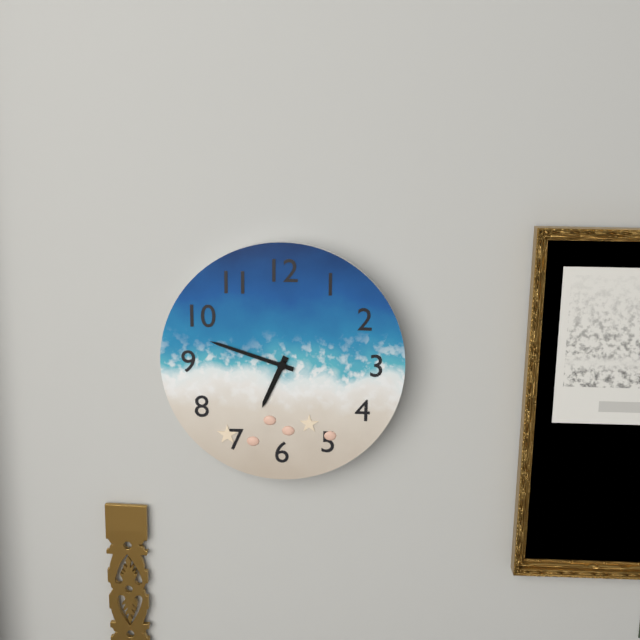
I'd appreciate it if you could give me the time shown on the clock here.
6:48
